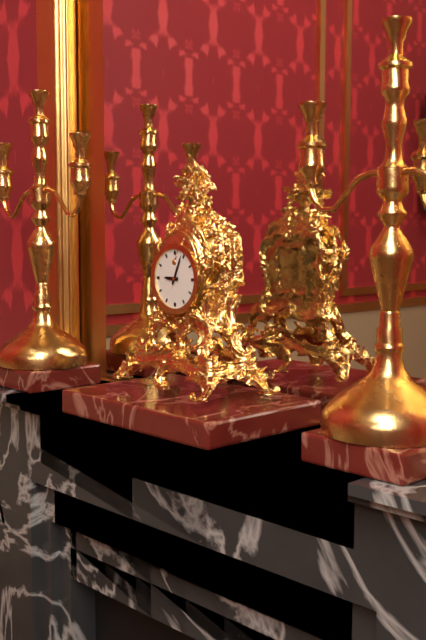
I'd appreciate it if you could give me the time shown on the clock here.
9:04
